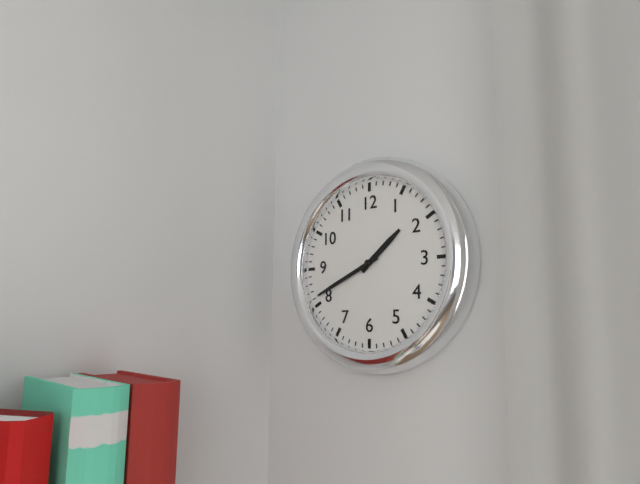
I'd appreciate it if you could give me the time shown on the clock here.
1:41
